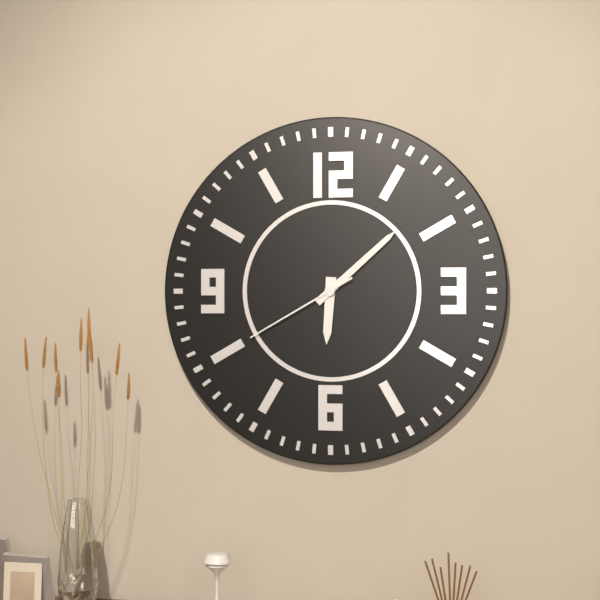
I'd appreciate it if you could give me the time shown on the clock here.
6:08:40
